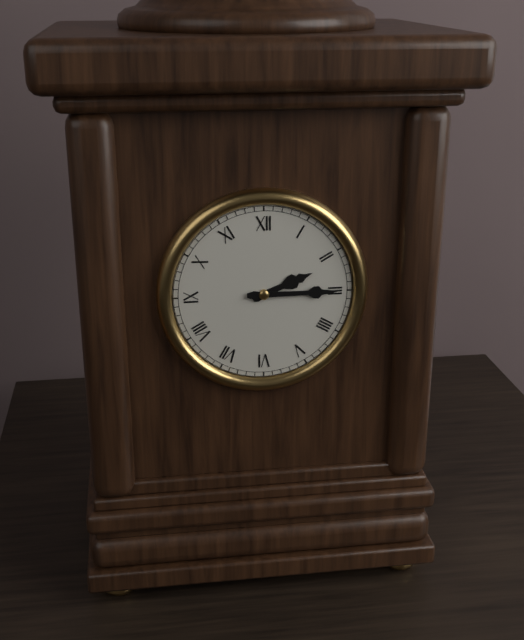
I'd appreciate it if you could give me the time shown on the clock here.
2:15
